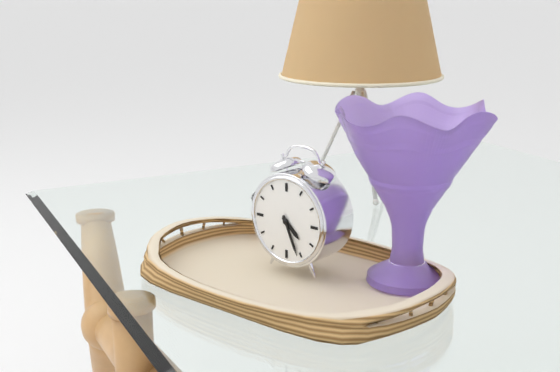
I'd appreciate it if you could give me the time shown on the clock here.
4:26
